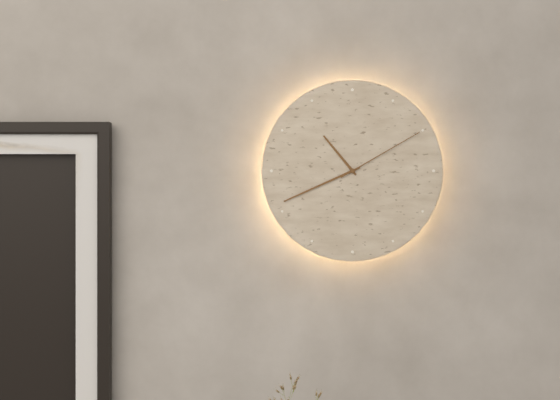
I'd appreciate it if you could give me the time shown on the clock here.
10:41:10
